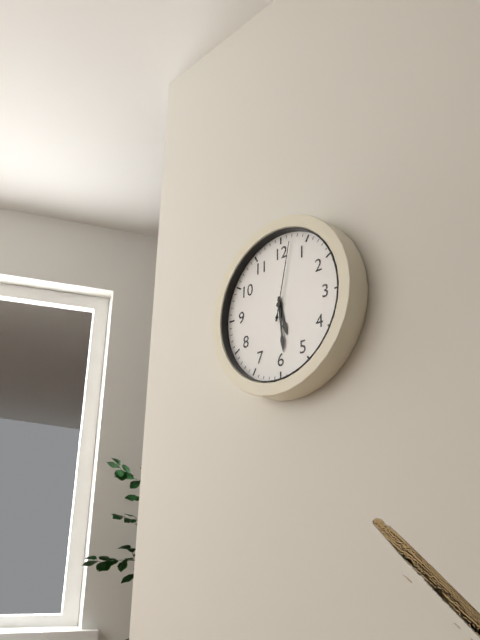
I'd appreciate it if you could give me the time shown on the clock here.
5:29:02
